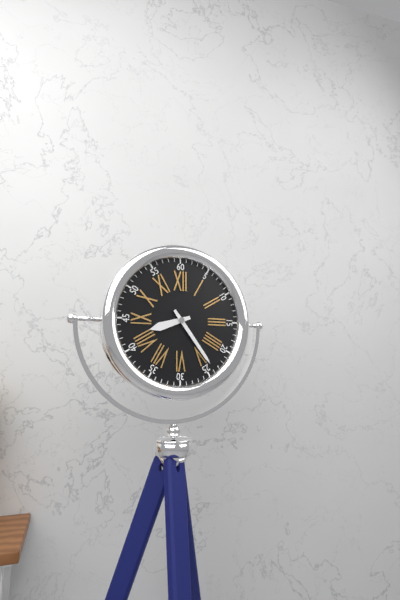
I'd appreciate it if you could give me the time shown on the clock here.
8:24
